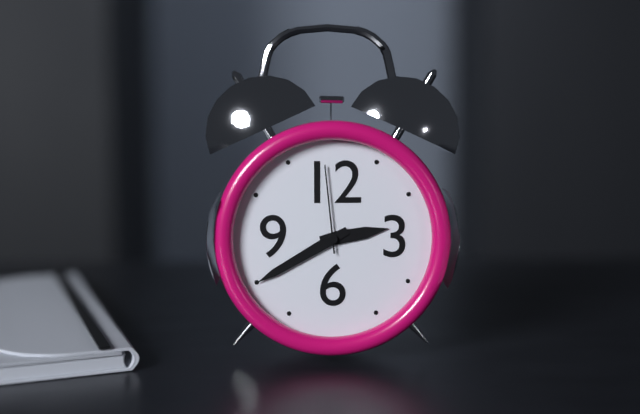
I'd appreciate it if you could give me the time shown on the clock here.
2:40:59
